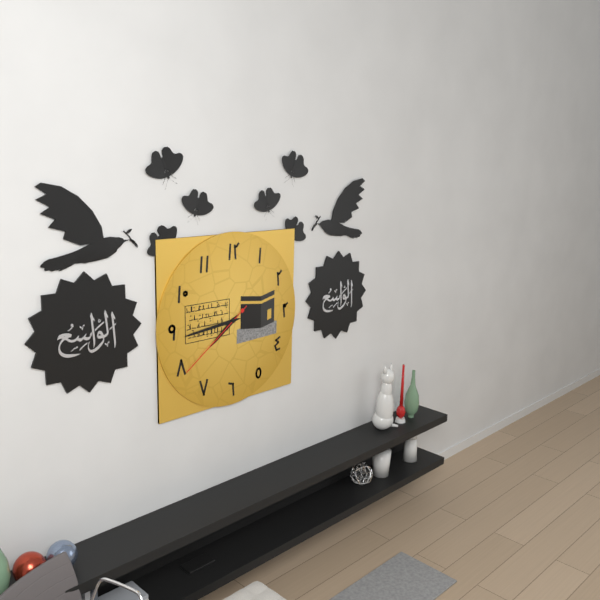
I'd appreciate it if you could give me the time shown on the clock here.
7:44:39
